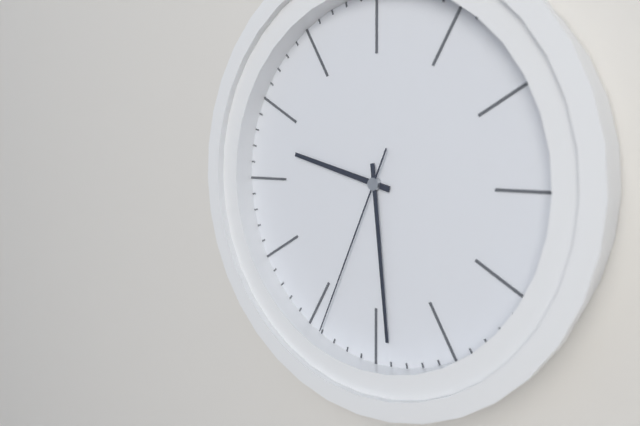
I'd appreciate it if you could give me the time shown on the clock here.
9:29:34
